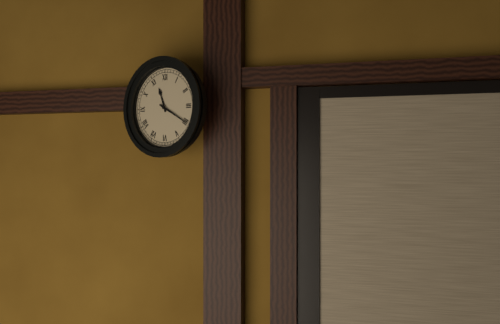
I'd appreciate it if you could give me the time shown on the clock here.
11:20
